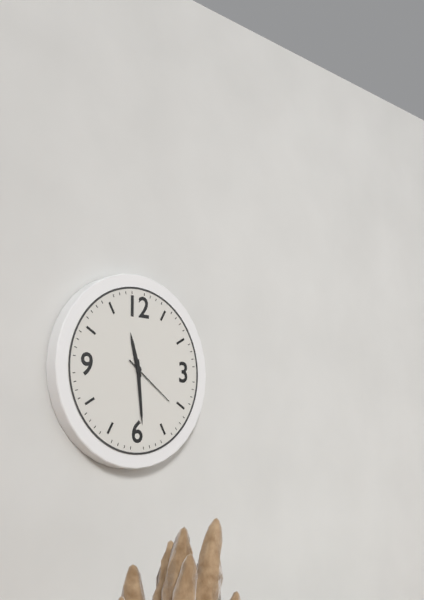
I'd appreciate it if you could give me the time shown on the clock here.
11:29:21
